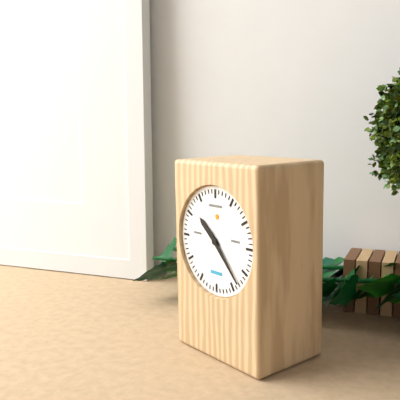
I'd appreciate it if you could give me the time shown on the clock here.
10:23
